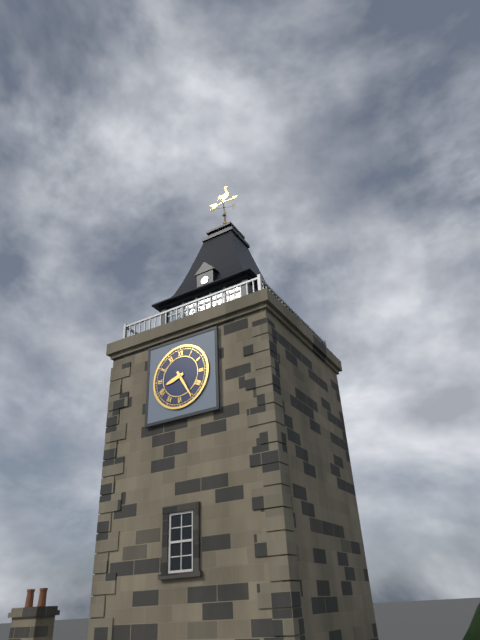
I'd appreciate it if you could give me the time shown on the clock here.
8:25
